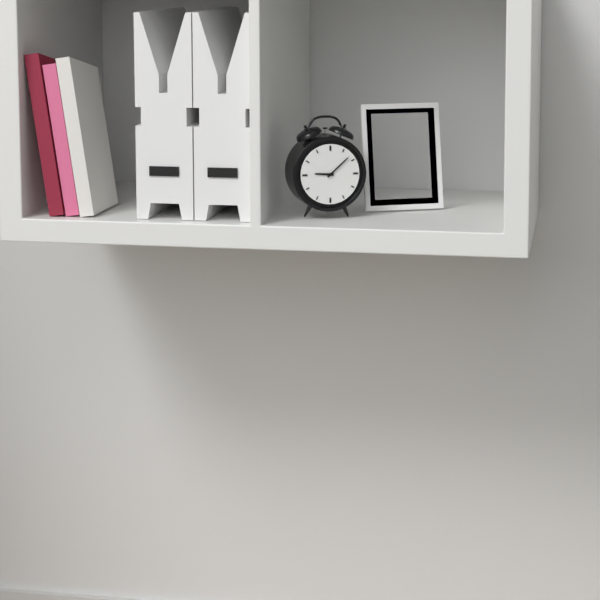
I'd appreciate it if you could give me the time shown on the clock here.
9:08
